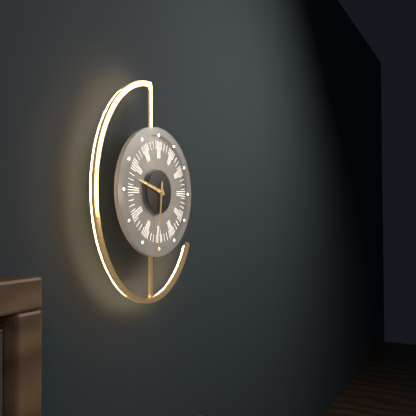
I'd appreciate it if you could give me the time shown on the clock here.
9:31
